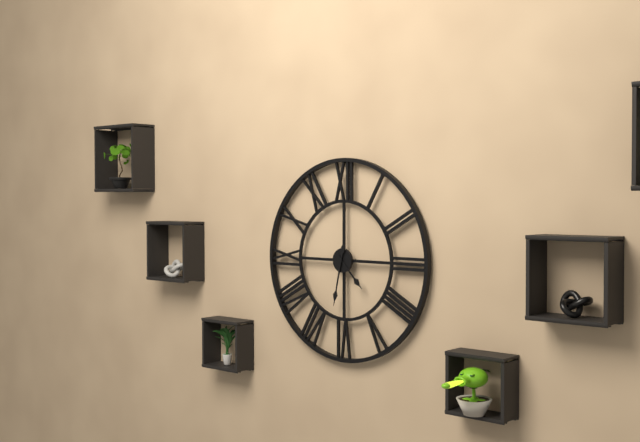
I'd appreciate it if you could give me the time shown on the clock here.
4:32
